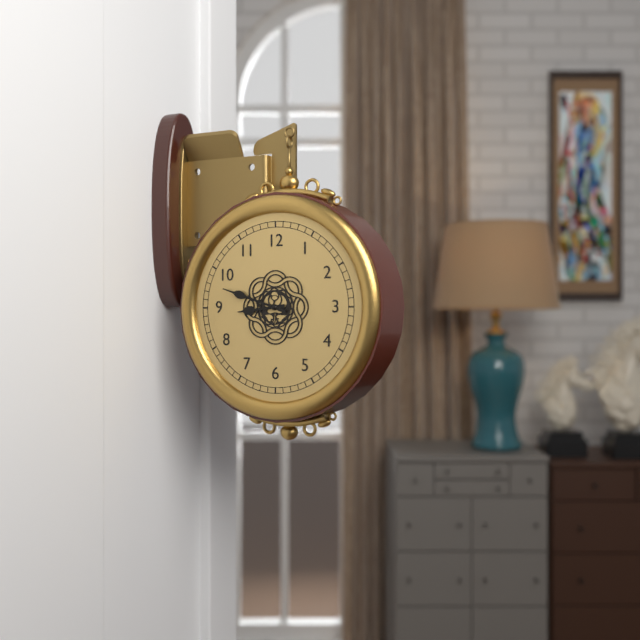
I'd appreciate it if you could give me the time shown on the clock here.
8:48
